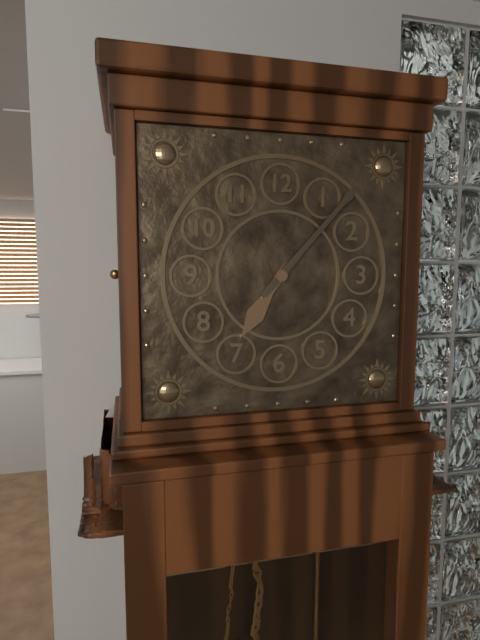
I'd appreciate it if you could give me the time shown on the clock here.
7:07
